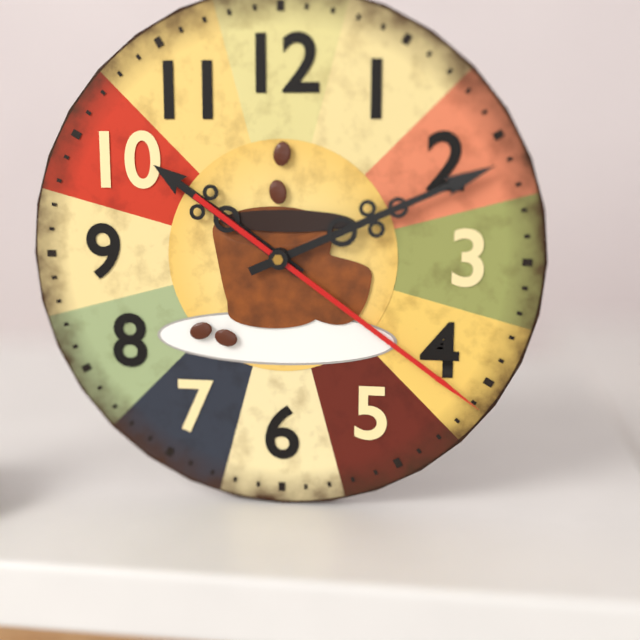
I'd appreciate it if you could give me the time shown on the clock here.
10:11:21
